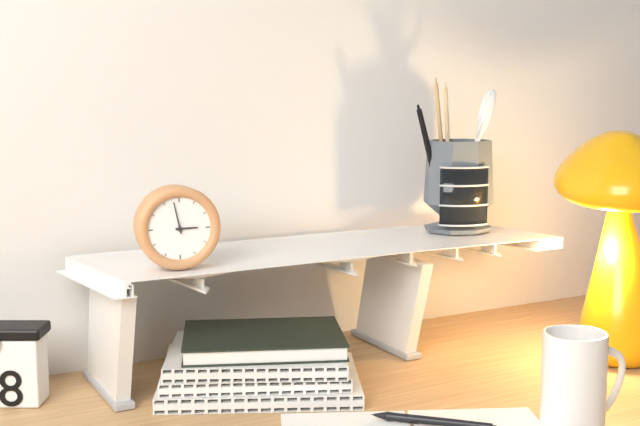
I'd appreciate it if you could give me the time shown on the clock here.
2:58
